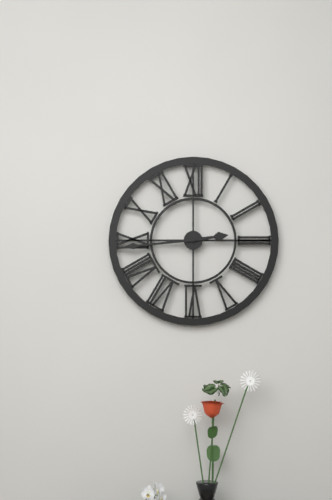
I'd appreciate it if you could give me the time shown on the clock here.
2:44
